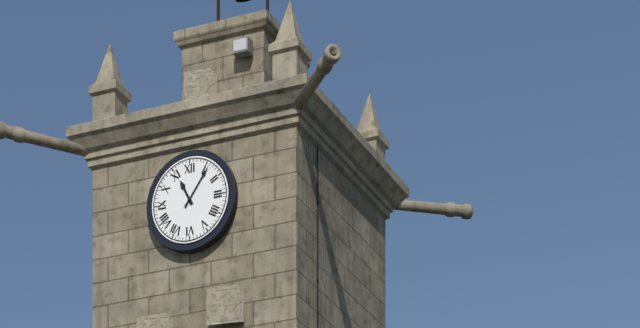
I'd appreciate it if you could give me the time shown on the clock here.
11:06
